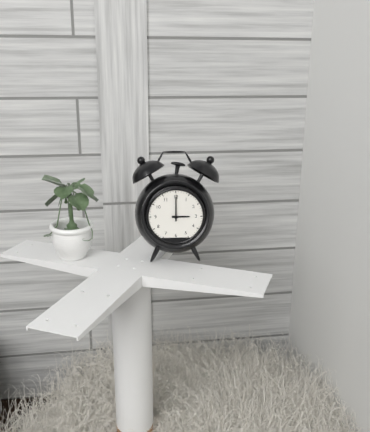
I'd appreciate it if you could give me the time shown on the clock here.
3:00
